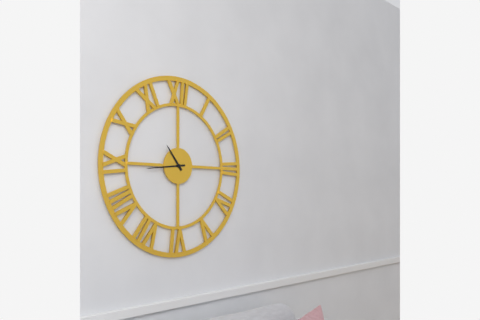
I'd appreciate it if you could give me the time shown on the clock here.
10:44
